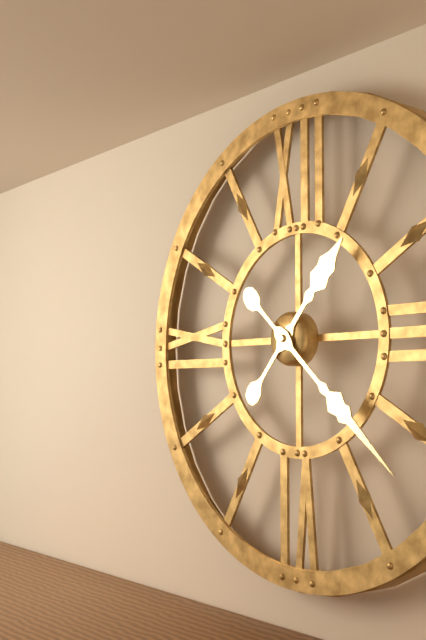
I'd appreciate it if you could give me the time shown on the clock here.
1:22
